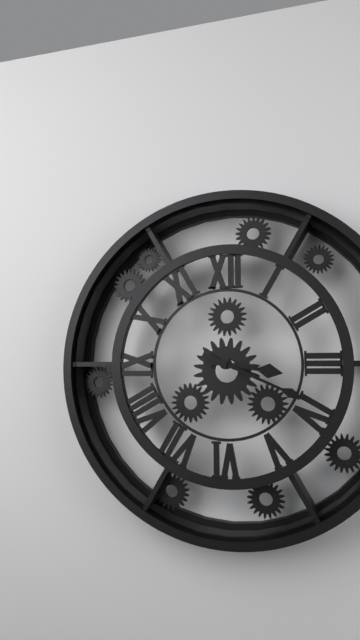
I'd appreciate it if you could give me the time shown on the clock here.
3:19
